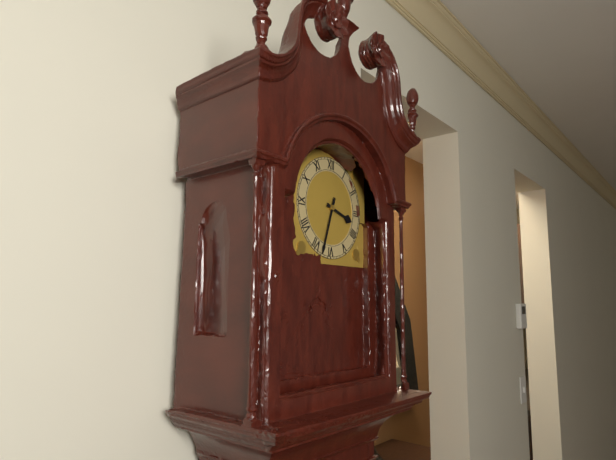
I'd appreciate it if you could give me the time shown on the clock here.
3:33
